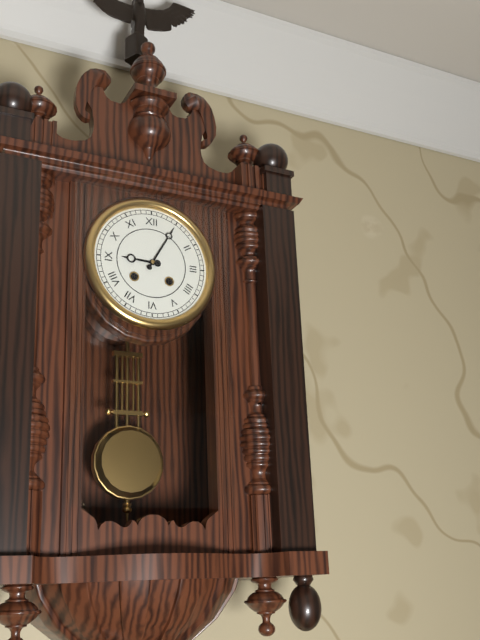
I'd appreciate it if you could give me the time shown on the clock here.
9:05
